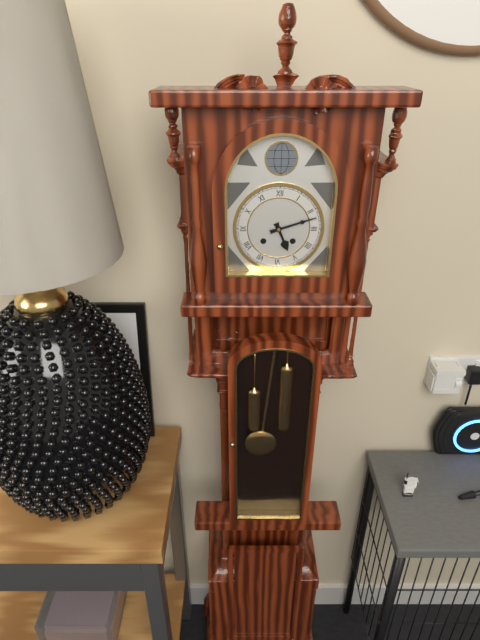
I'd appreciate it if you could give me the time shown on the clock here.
5:12
